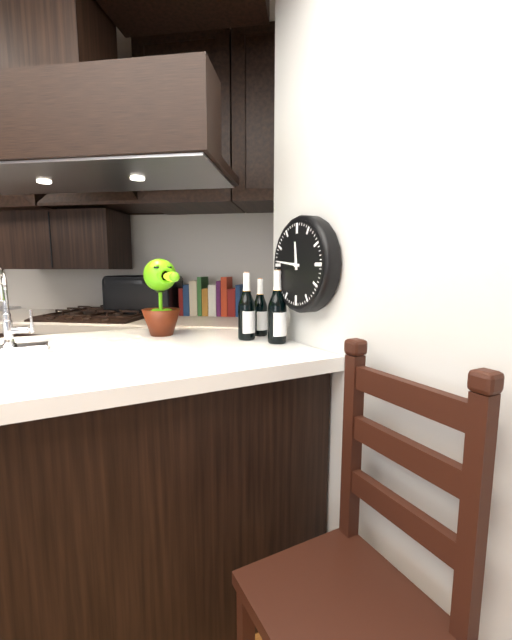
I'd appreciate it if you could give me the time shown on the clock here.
11:46
